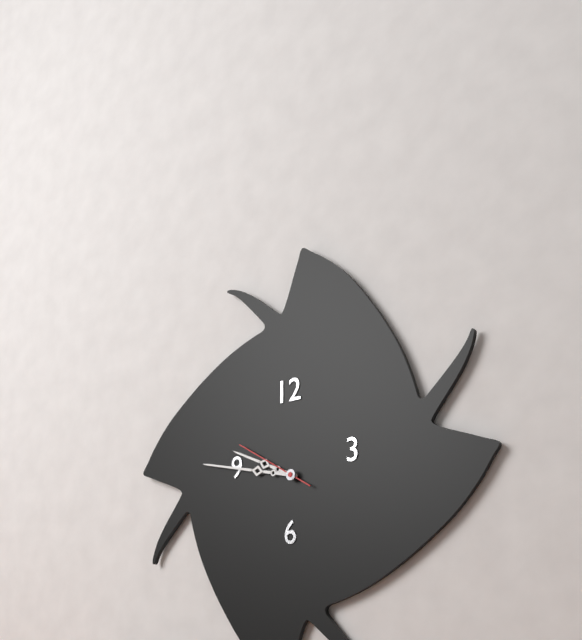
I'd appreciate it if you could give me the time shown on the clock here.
9:47:50
